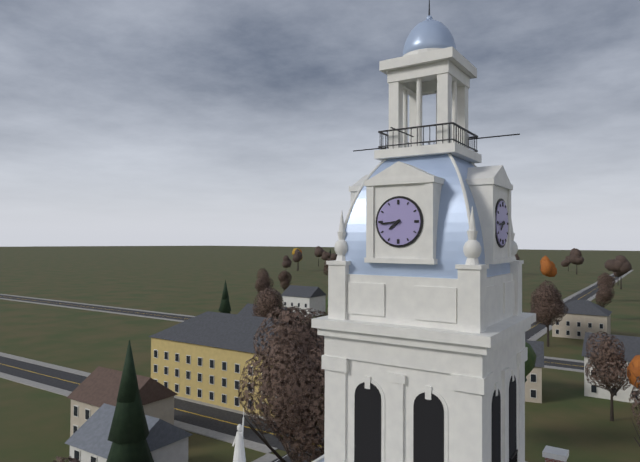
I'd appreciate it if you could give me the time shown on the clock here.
7:44
